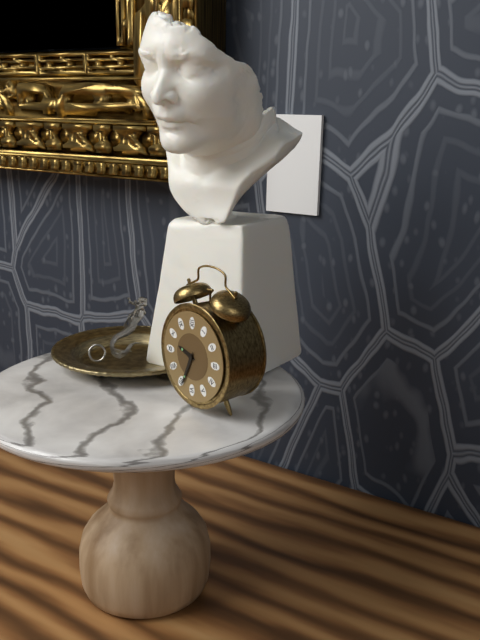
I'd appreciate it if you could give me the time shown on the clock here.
9:34
